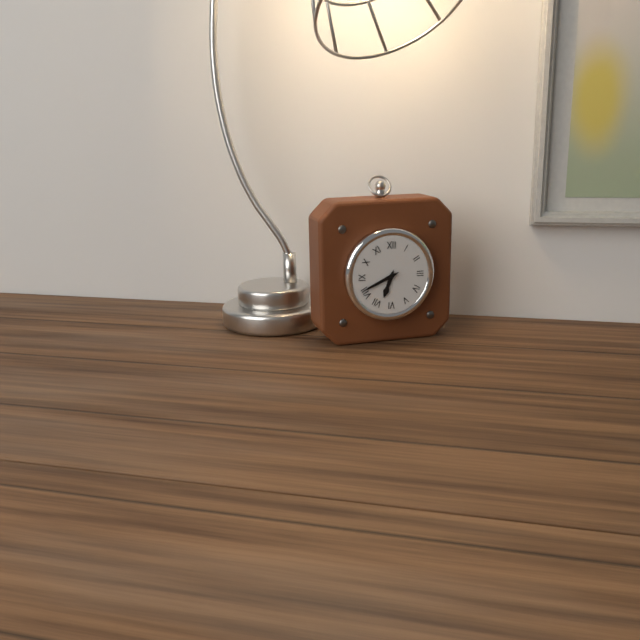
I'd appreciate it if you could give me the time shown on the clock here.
6:41
